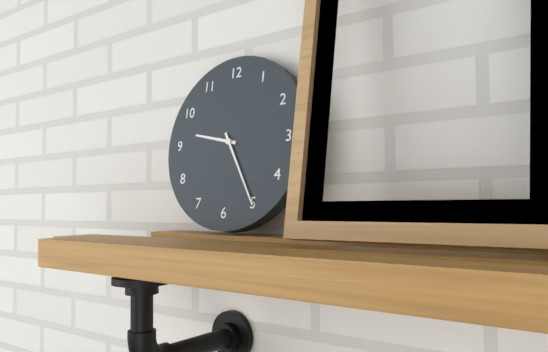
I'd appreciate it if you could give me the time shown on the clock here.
9:25
